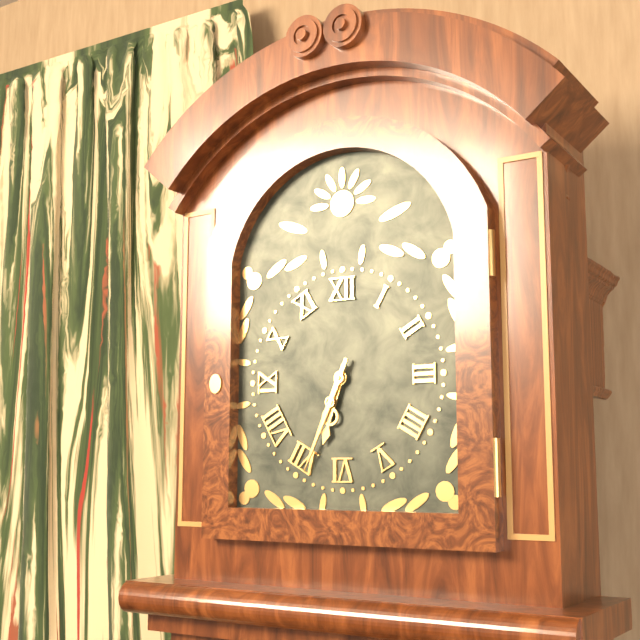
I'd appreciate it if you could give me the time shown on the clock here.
6:34
